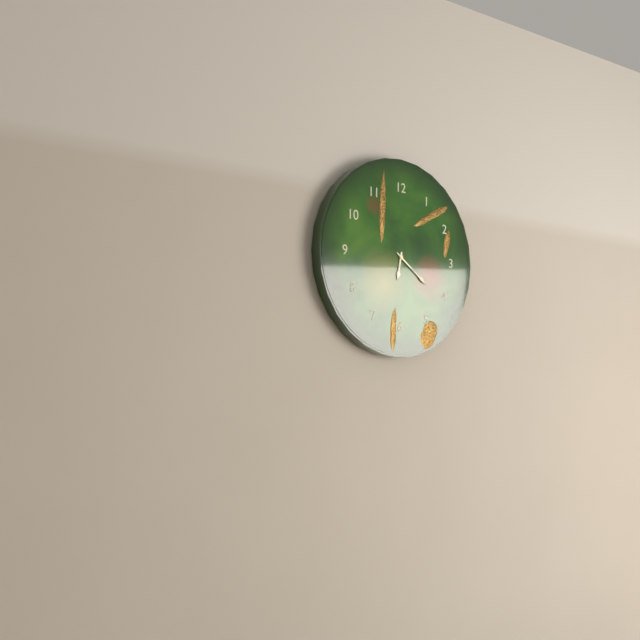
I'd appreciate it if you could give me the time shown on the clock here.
6:21
